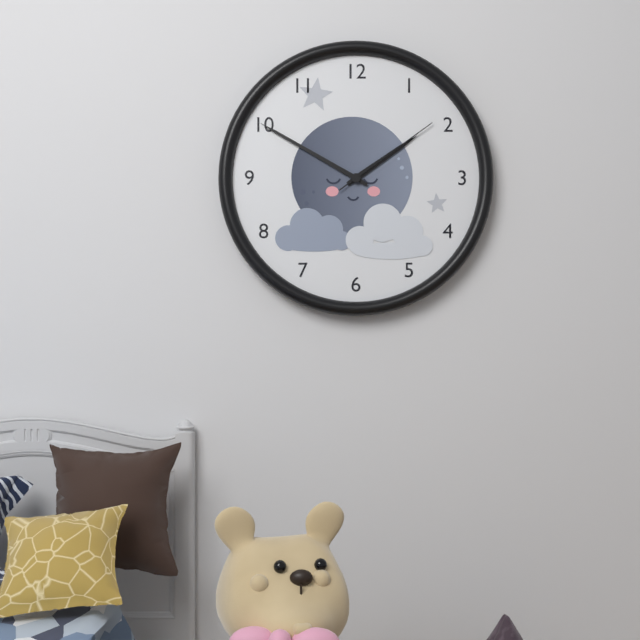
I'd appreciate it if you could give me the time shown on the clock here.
1:50:09
